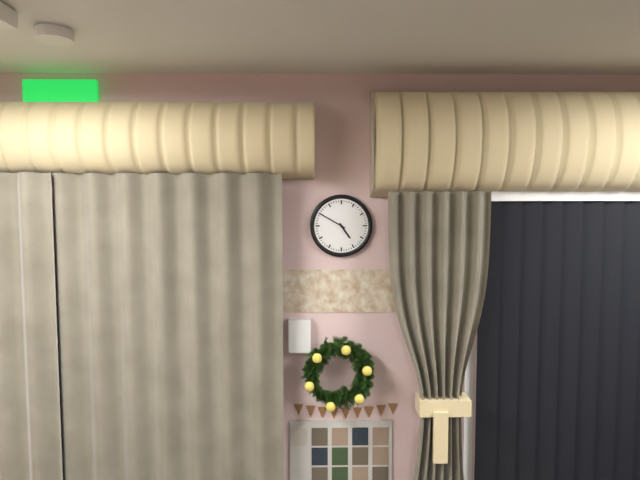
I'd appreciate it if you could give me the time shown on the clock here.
4:50
